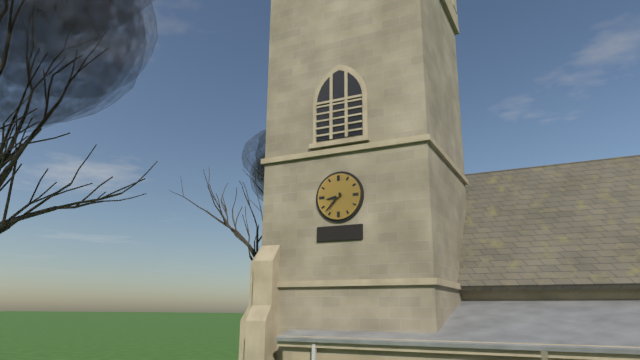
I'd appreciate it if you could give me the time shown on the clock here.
8:37
